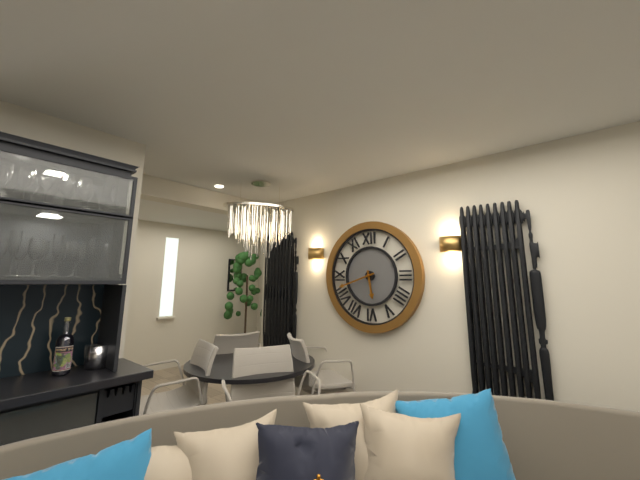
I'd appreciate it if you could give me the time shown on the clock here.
5:42
